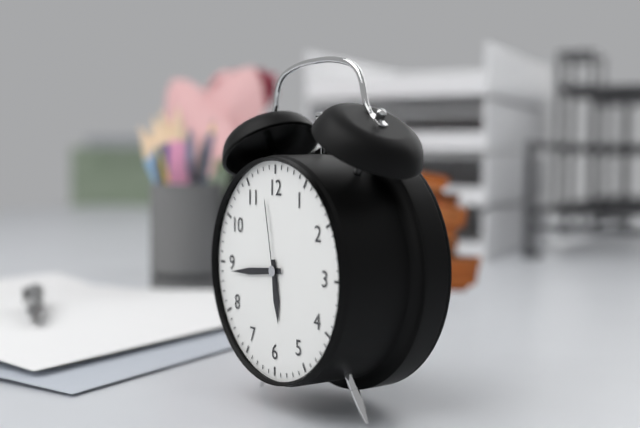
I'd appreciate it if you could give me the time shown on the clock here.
5:44:58
